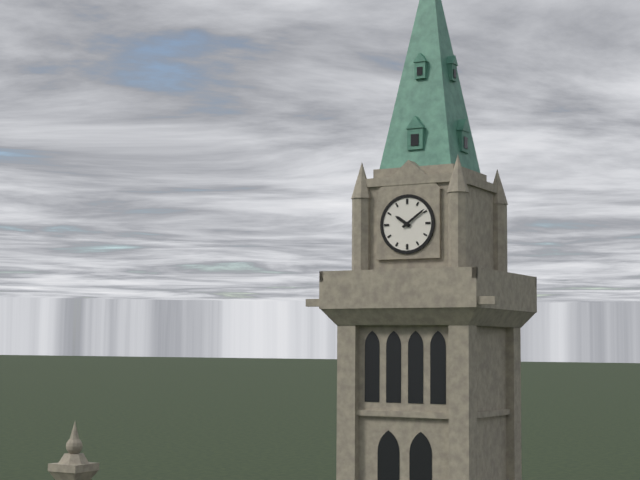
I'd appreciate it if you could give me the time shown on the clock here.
10:09
